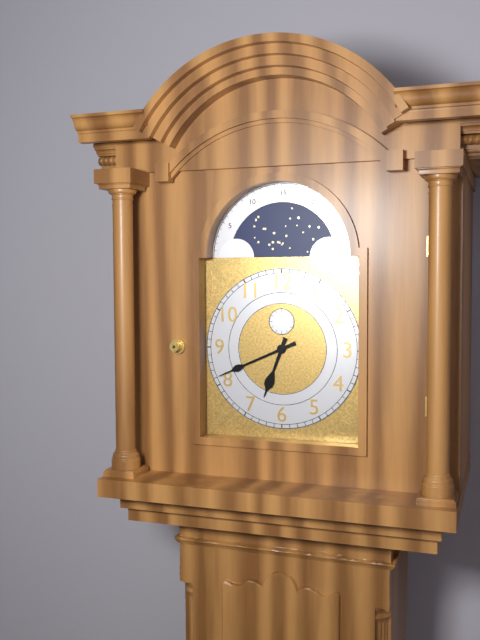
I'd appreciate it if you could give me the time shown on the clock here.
6:41
